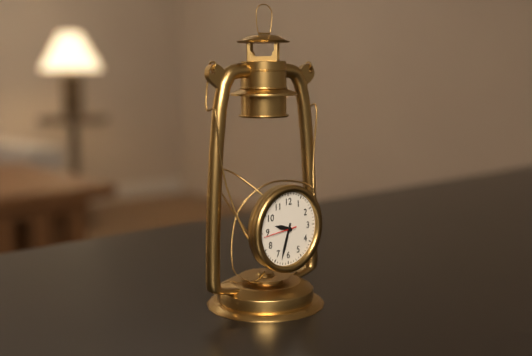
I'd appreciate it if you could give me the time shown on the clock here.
9:33
